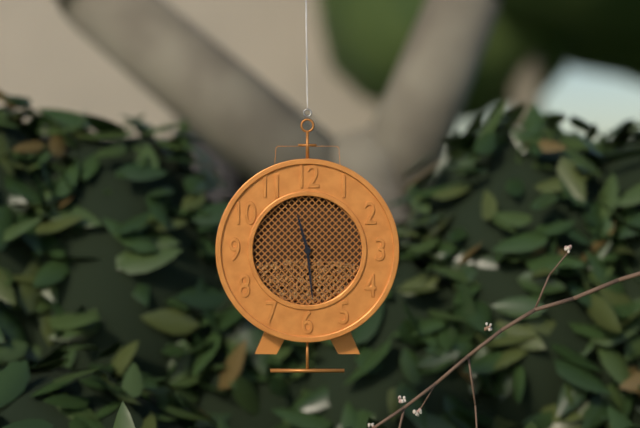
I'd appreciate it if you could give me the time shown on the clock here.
11:29
